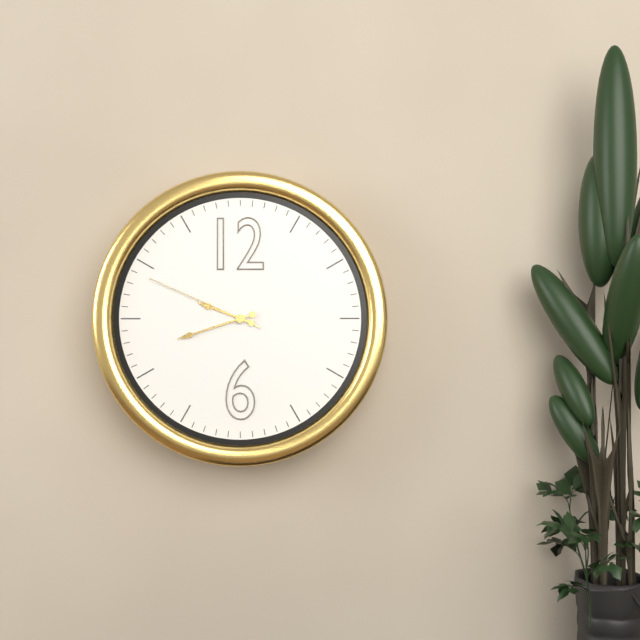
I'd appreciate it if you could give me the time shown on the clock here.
9:42:49
